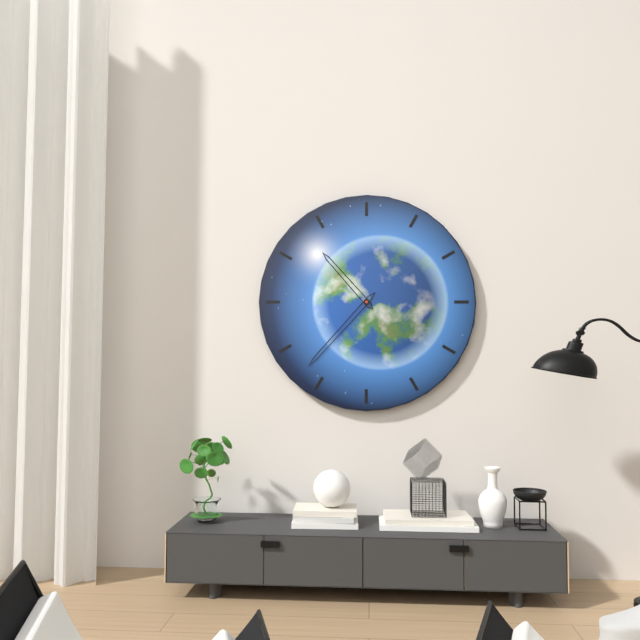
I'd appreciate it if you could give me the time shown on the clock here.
10:37
